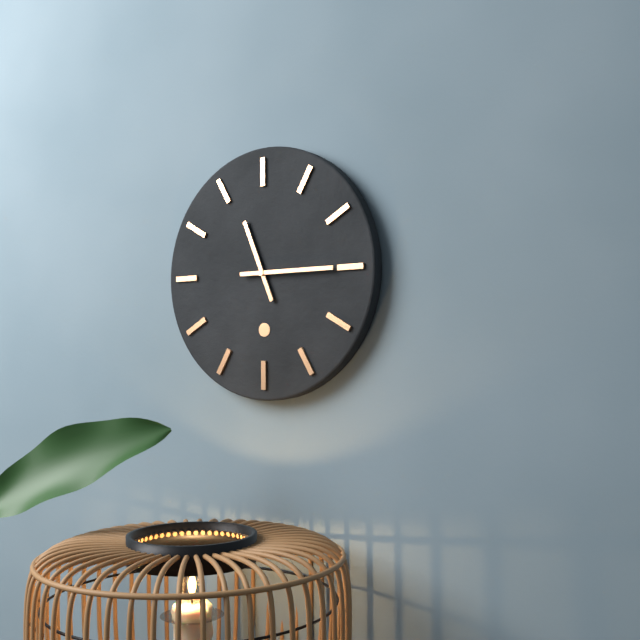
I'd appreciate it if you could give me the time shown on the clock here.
11:15
